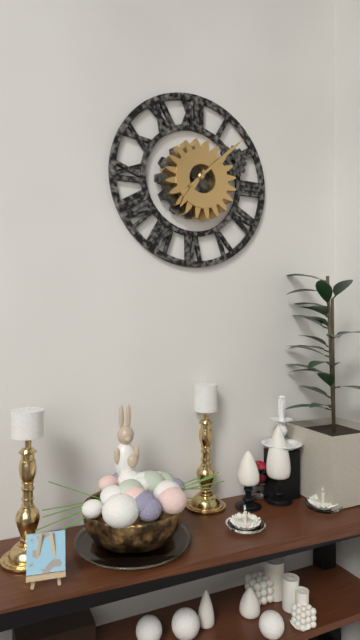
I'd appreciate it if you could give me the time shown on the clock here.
7:08
